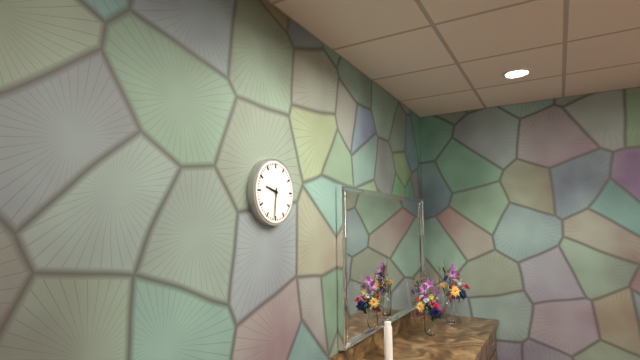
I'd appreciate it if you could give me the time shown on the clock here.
9:31
